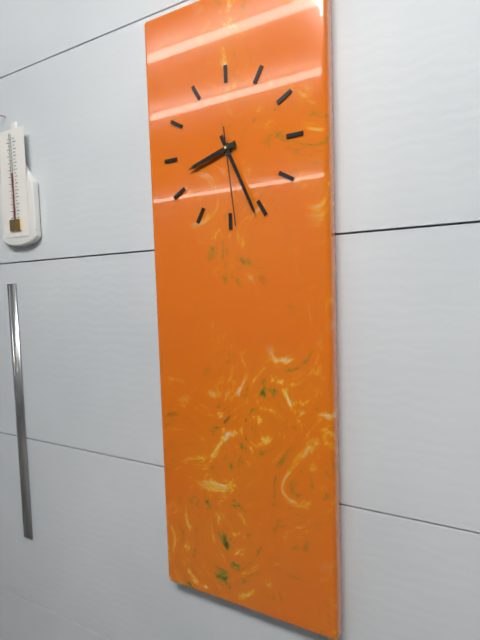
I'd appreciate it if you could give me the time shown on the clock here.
8:26:29
